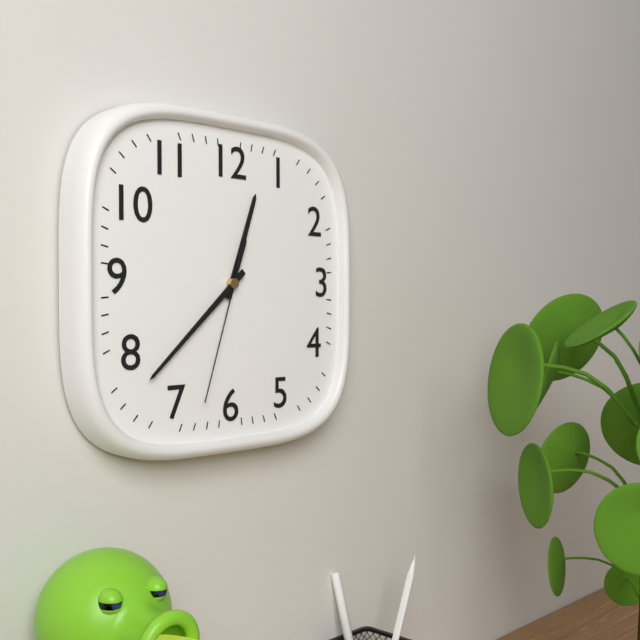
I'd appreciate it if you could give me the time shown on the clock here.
12:38:33
